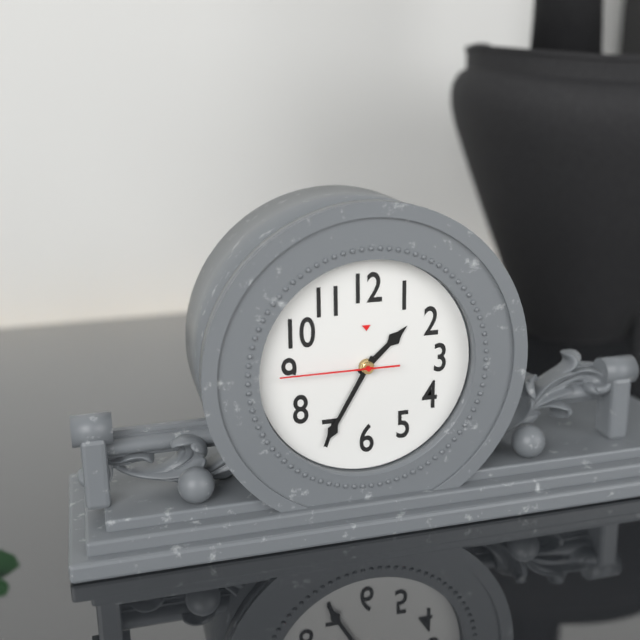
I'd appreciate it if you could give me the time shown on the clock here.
1:35:45
